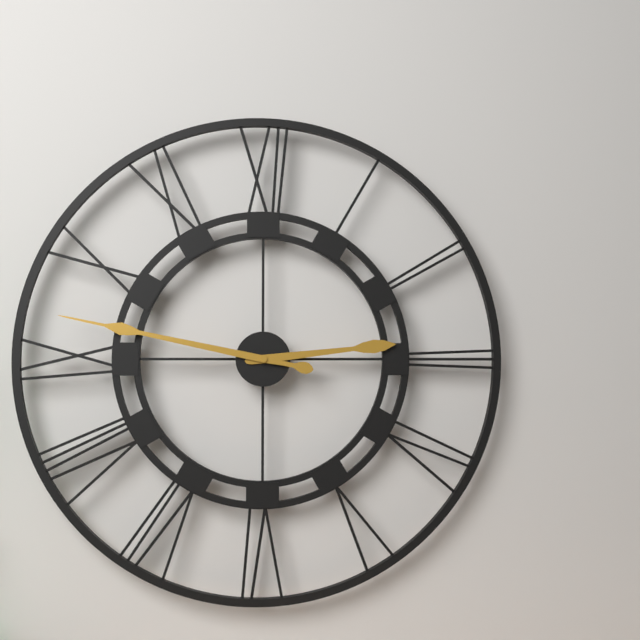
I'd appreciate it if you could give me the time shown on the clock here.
2:47
